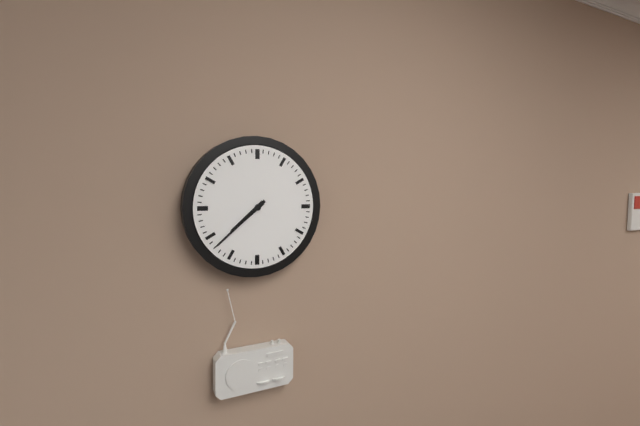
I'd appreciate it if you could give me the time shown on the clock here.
7:38
